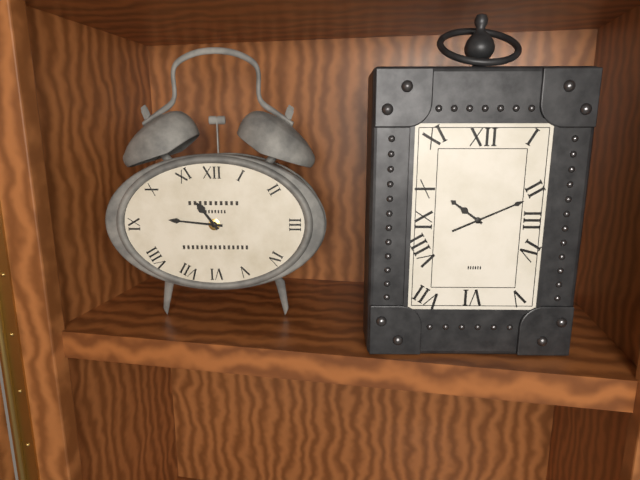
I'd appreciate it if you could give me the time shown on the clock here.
10:46
